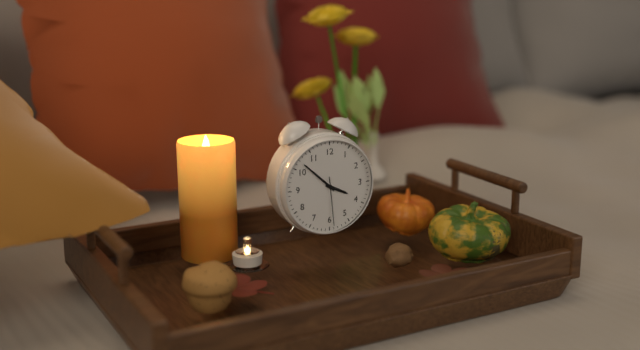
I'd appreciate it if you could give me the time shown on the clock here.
3:52
